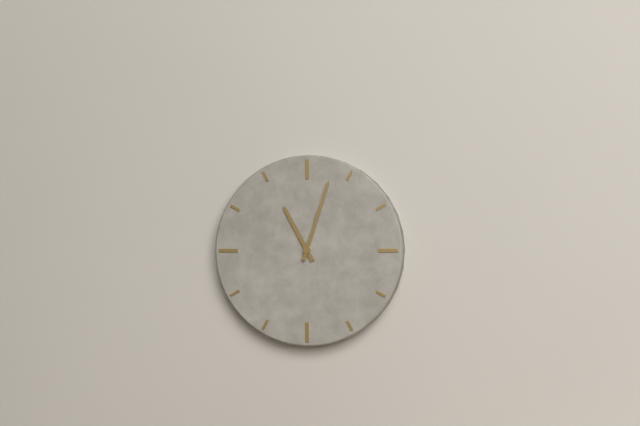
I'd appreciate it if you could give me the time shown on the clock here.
11:03
